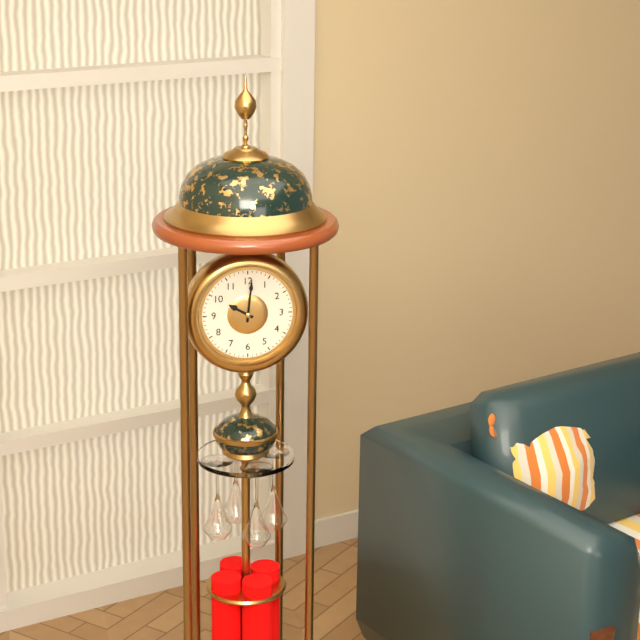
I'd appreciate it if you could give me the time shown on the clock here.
10:01
